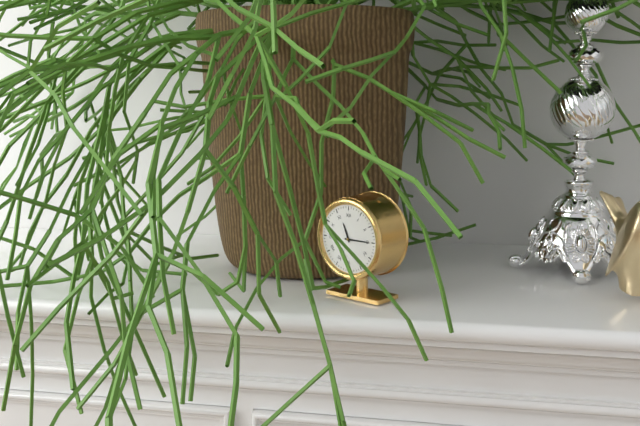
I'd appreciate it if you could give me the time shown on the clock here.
11:15
